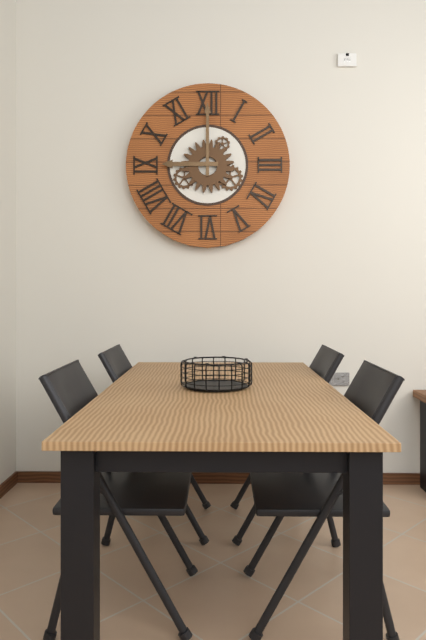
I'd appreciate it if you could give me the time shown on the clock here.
9:00
